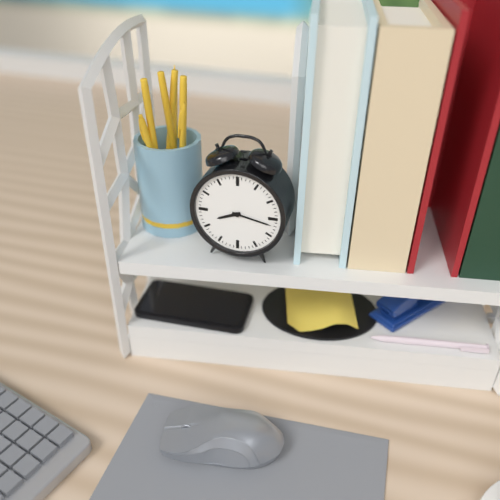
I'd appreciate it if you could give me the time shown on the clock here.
8:17
